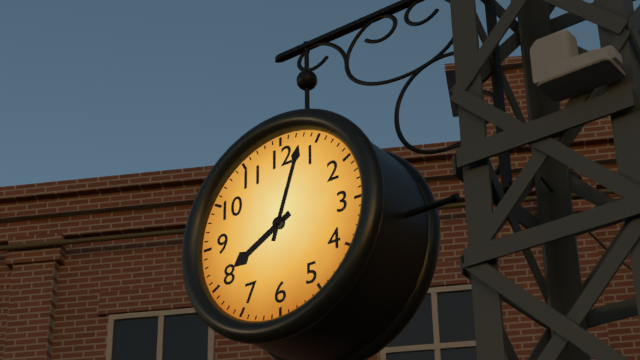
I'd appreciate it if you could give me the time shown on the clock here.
8:03
